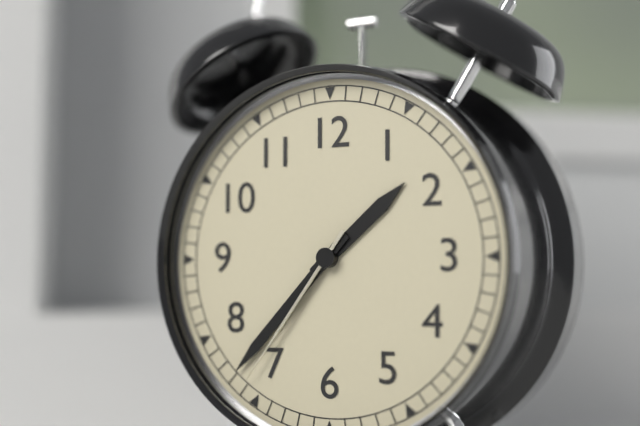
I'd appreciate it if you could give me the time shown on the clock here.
1:37:36
